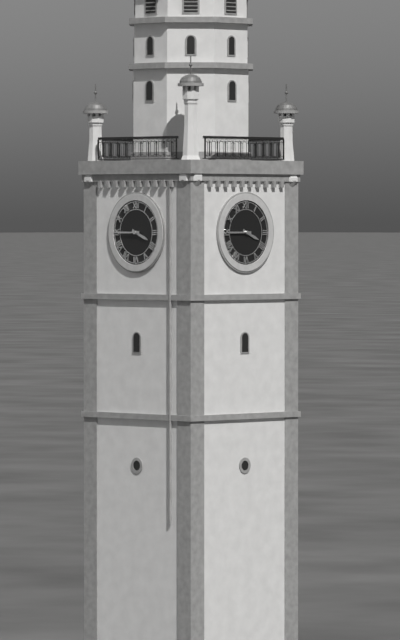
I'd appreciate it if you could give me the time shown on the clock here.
3:45
